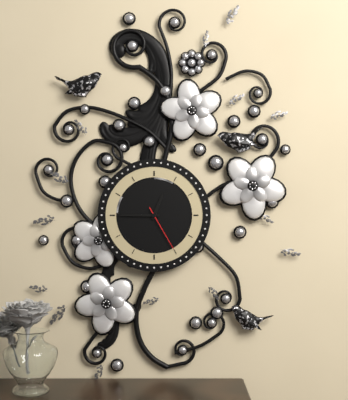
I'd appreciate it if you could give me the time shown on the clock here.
12:45
